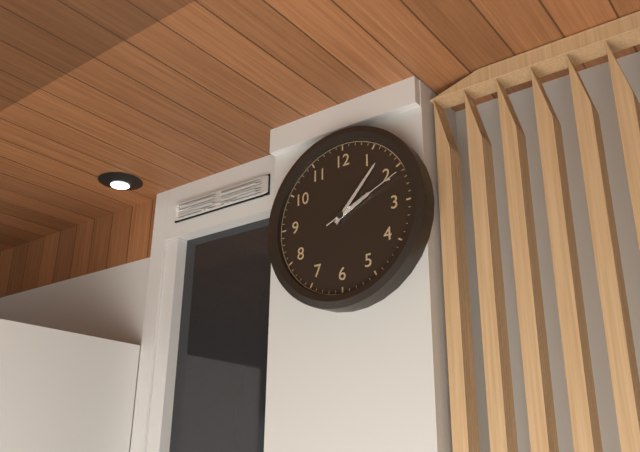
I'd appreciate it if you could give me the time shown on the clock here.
2:07:11
